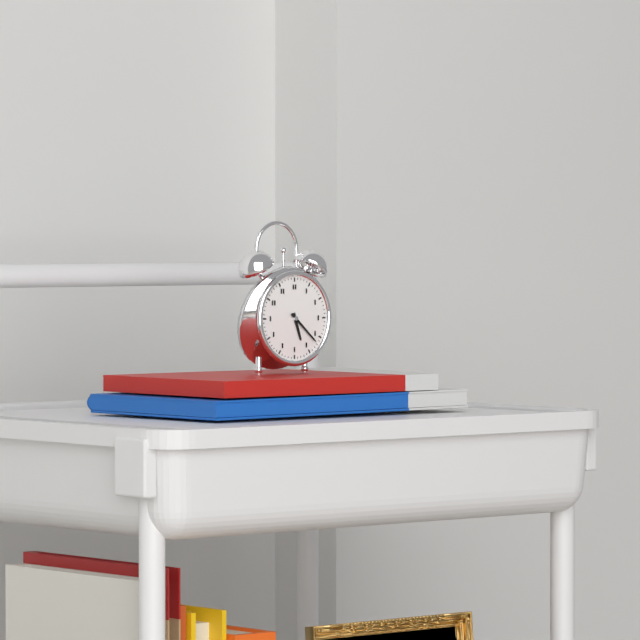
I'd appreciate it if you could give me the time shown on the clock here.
5:22
